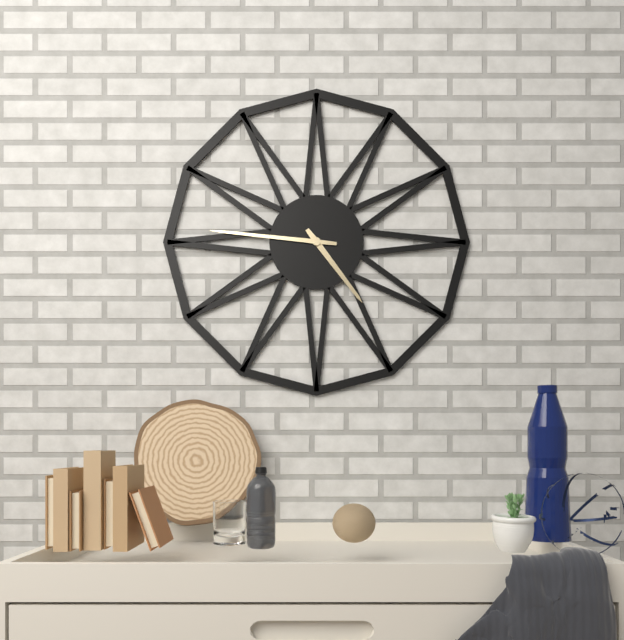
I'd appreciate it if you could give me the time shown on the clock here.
4:46
